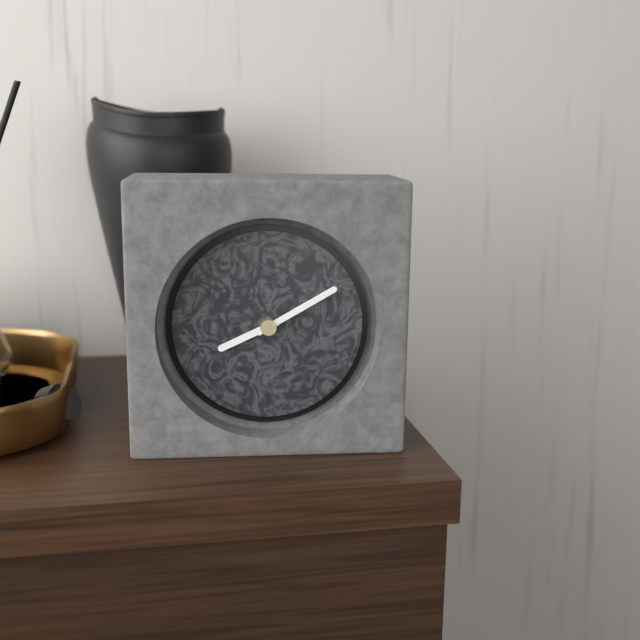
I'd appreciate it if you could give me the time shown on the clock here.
8:10
